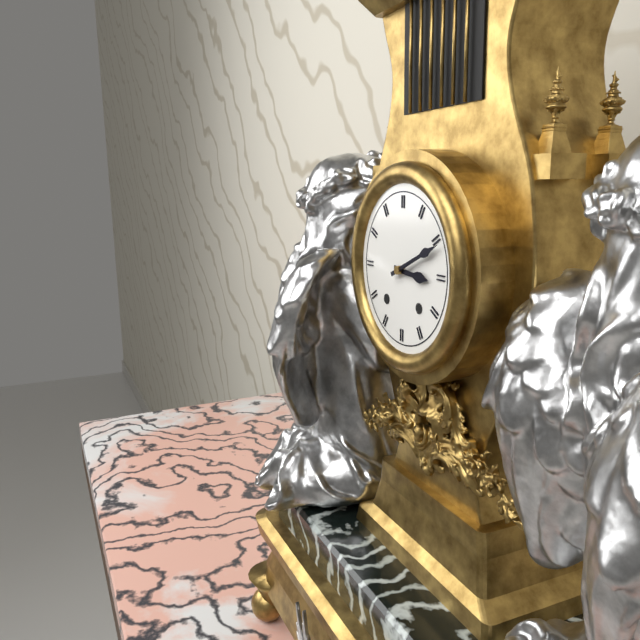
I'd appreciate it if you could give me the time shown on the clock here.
3:11
